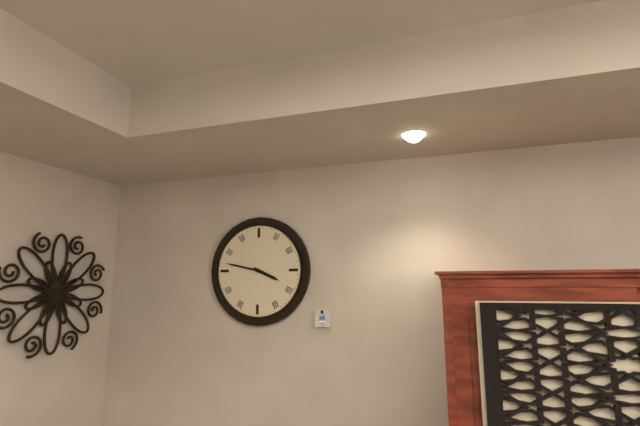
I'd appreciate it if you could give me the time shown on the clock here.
3:47
